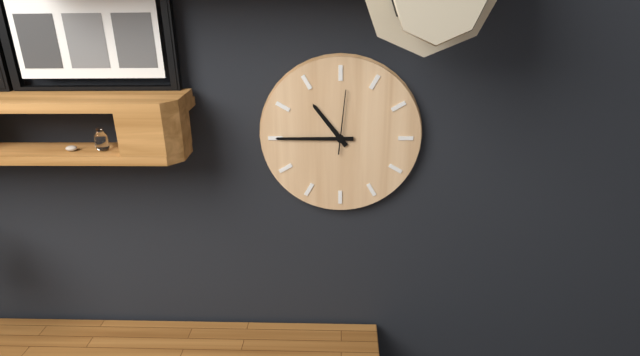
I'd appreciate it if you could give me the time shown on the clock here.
10:45:01
